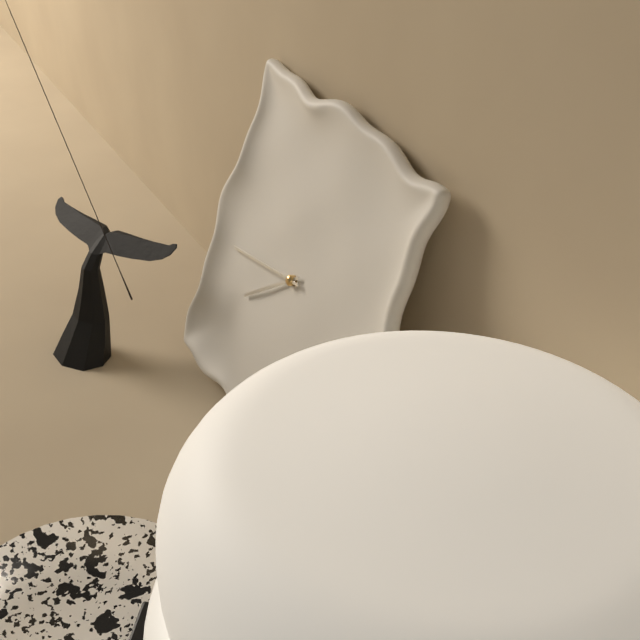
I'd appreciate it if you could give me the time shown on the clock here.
7:43
